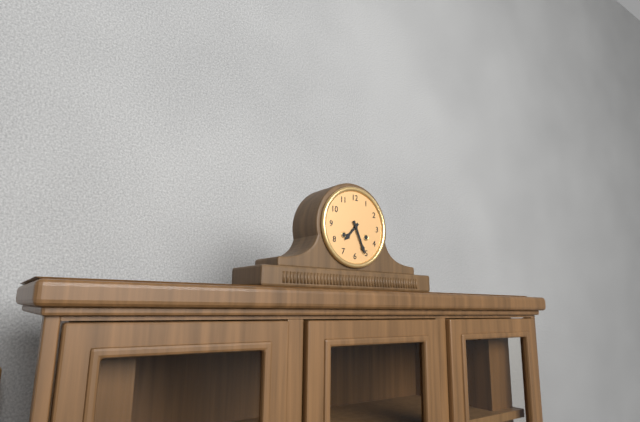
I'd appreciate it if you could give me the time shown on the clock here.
7:26
